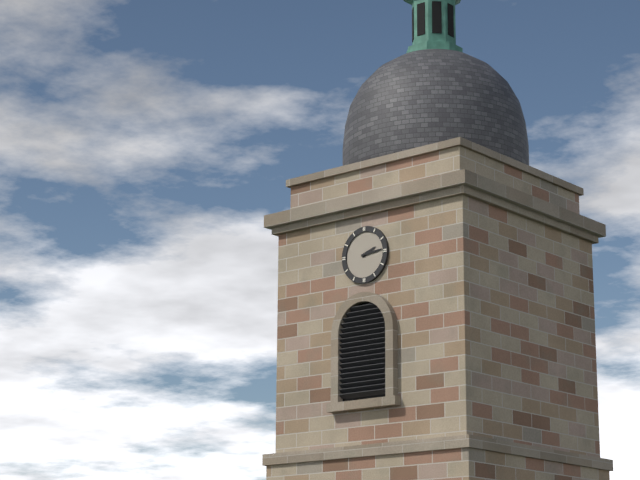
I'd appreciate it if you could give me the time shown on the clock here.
2:14
